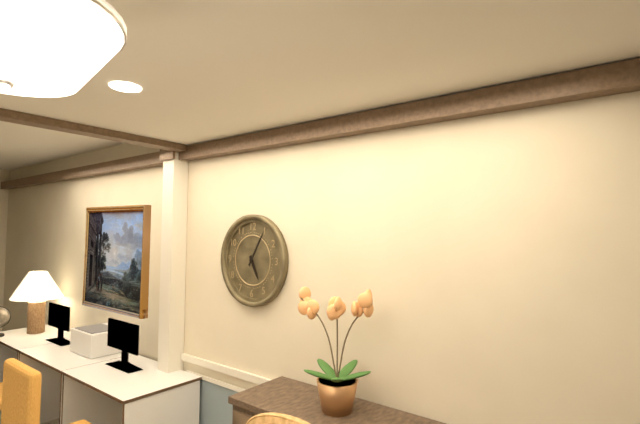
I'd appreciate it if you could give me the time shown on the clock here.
5:05
